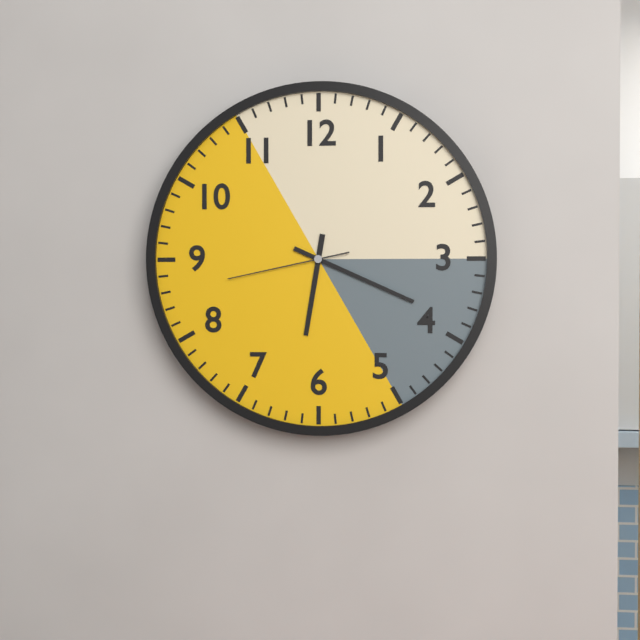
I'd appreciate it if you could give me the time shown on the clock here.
6:19:43
